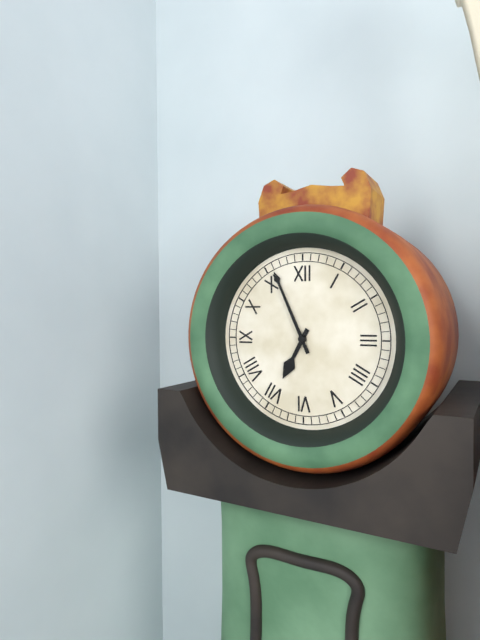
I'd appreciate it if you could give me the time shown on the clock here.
6:56
